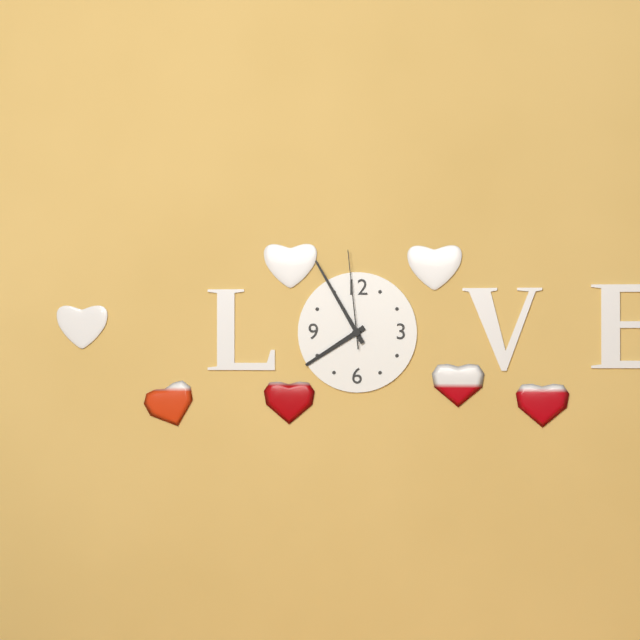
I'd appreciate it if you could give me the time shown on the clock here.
7:55:59
